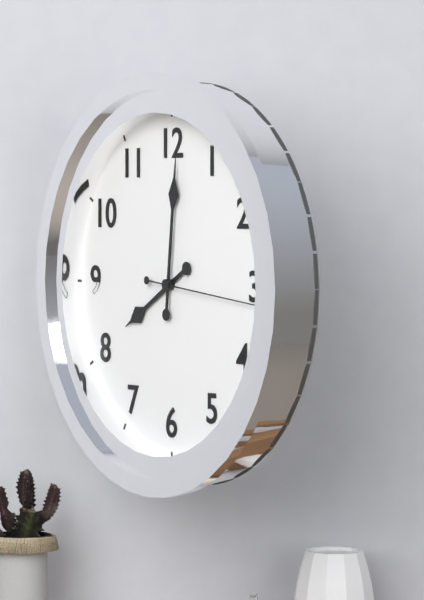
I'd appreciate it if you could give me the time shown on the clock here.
8:01:16
